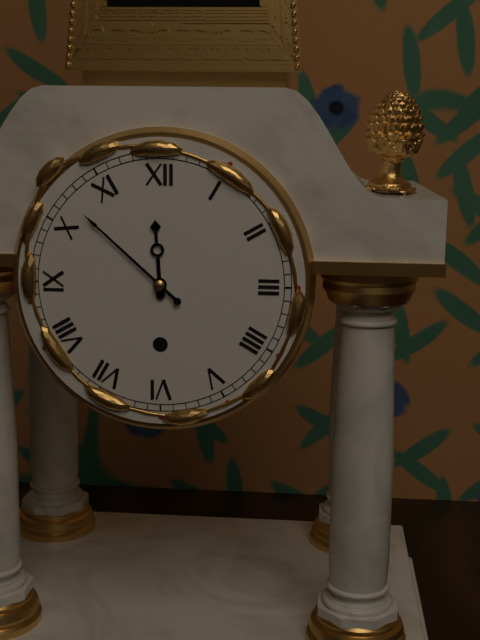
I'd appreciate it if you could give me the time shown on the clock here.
11:52
